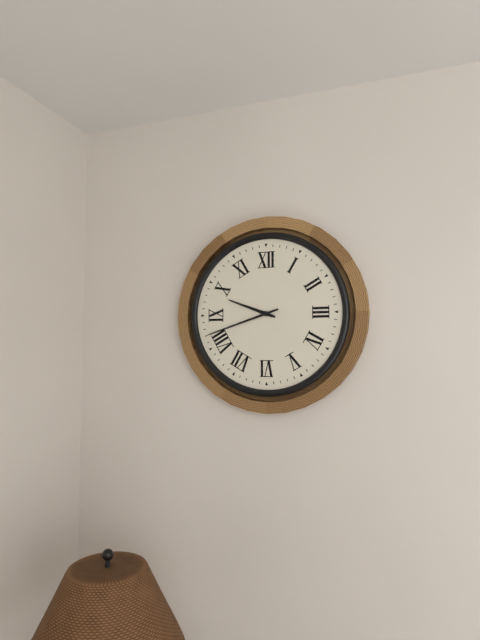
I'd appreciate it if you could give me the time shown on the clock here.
9:42
